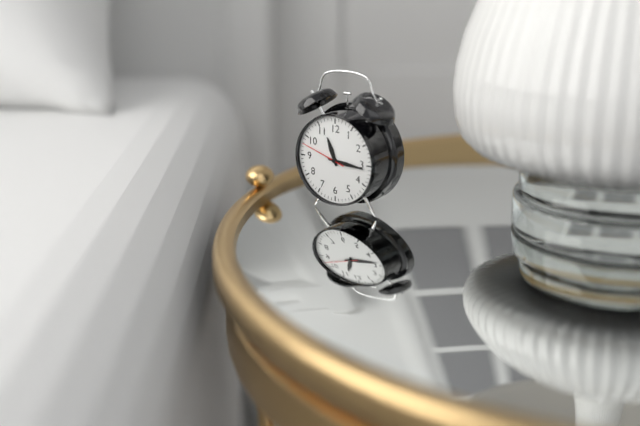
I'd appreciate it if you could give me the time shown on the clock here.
11:16:48
